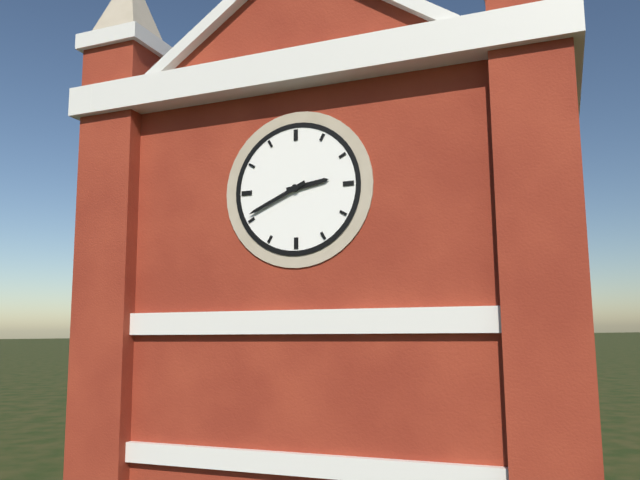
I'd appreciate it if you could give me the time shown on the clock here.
2:41
